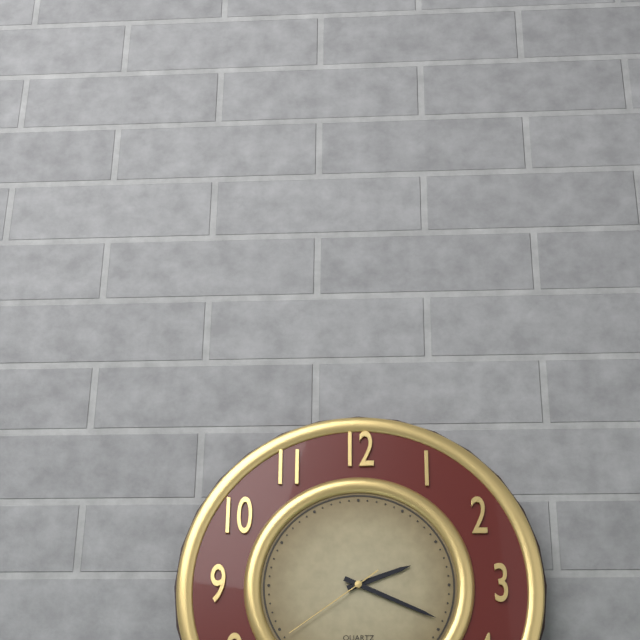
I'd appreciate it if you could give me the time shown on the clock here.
2:19:39
